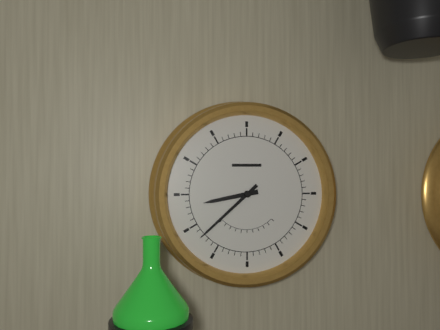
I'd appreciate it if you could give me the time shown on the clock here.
8:38
